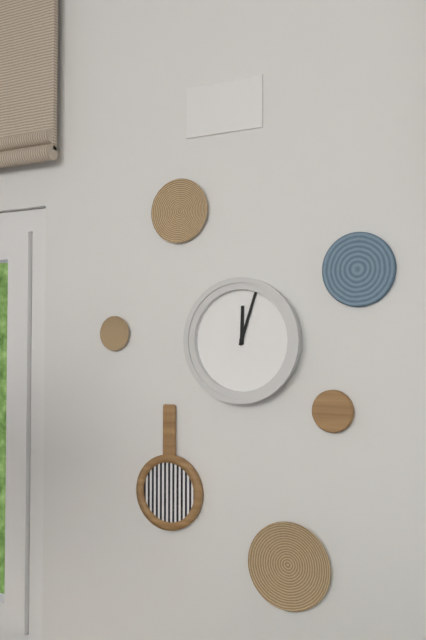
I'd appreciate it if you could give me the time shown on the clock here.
12:03
